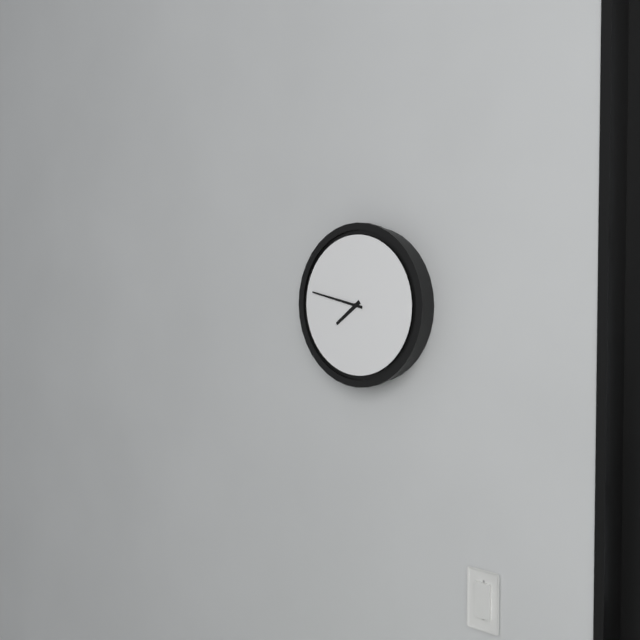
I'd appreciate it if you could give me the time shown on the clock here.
7:47
